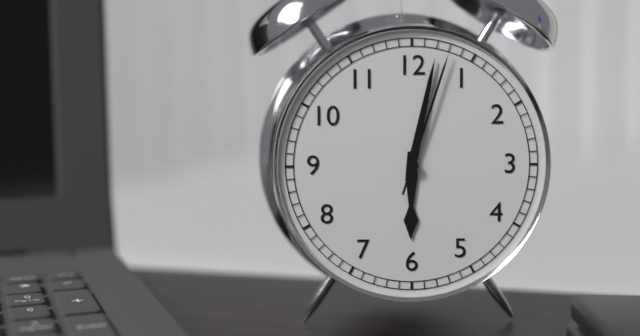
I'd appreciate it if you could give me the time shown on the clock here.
6:02:03
